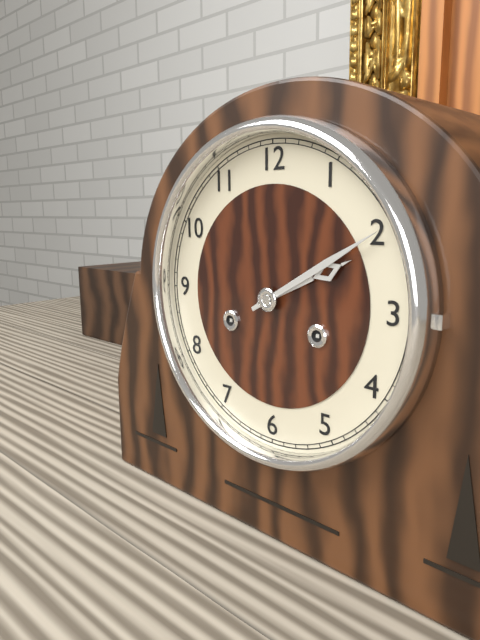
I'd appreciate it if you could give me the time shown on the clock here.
2:10
